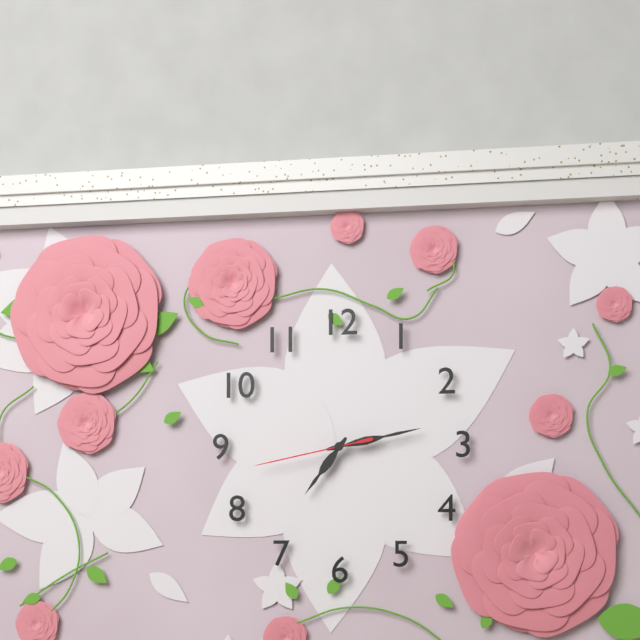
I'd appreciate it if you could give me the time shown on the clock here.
7:13:43
